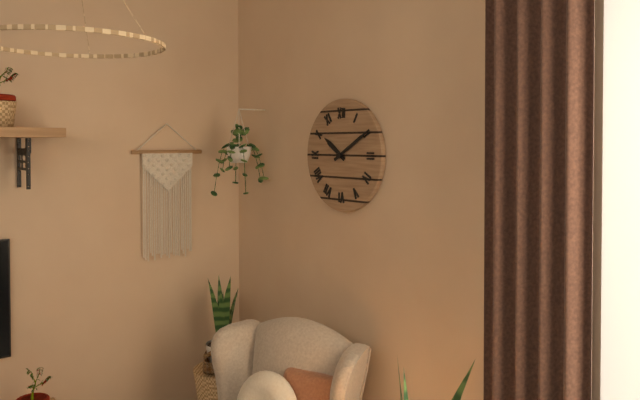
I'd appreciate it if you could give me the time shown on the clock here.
10:10
